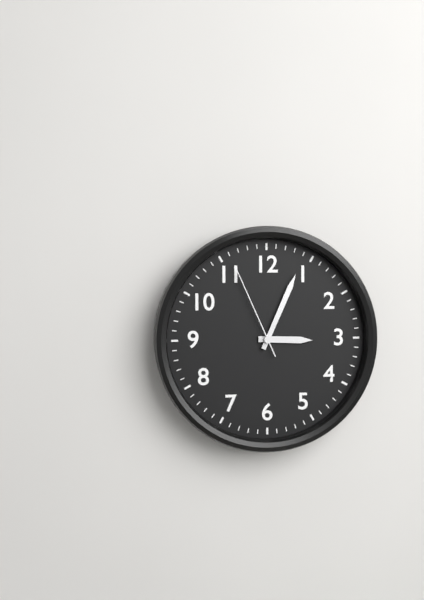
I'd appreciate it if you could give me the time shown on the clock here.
3:04:56
